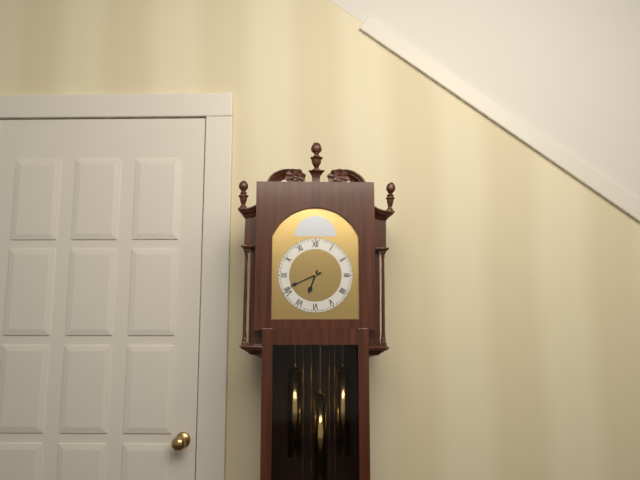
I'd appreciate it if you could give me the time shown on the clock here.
6:41
